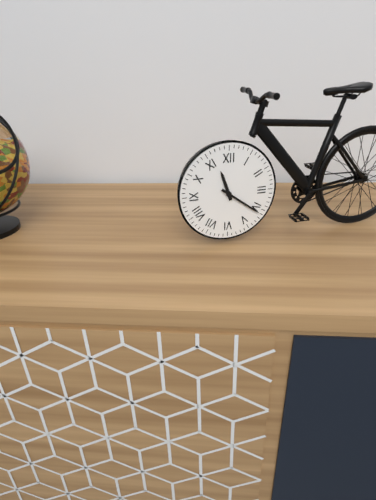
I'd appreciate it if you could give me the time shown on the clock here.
11:21
